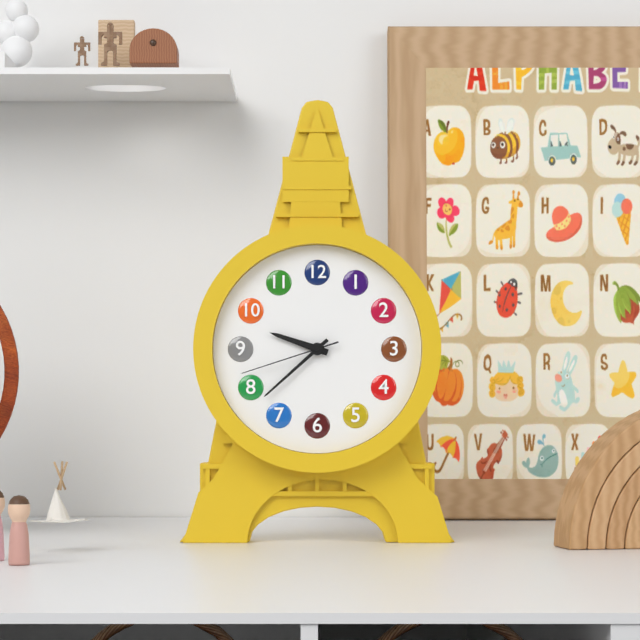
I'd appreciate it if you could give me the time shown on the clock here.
9:38:42
